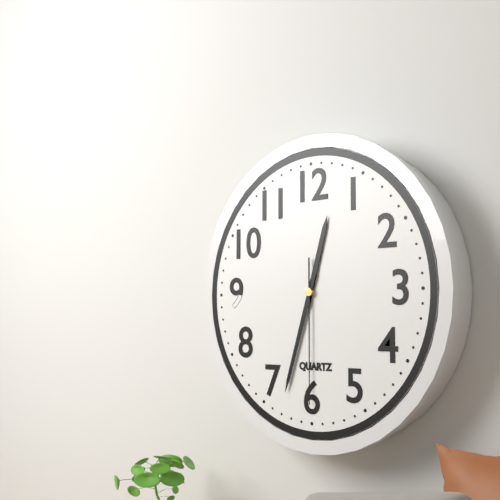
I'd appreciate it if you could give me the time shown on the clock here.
12:33:30
